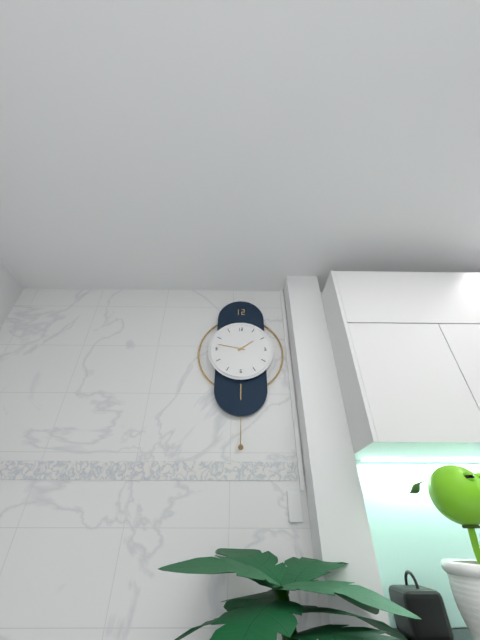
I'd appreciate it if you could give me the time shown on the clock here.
1:47
